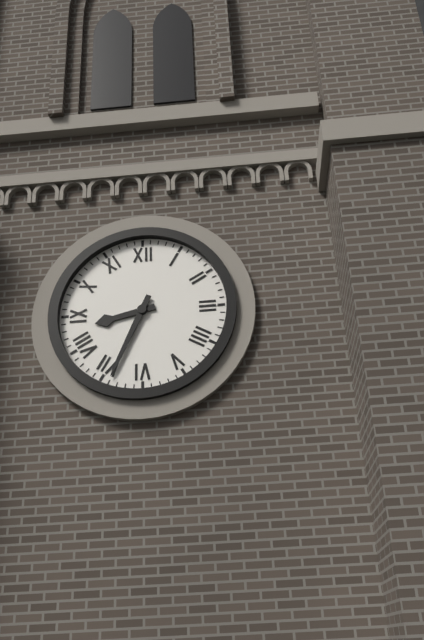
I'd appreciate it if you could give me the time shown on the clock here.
8:34
